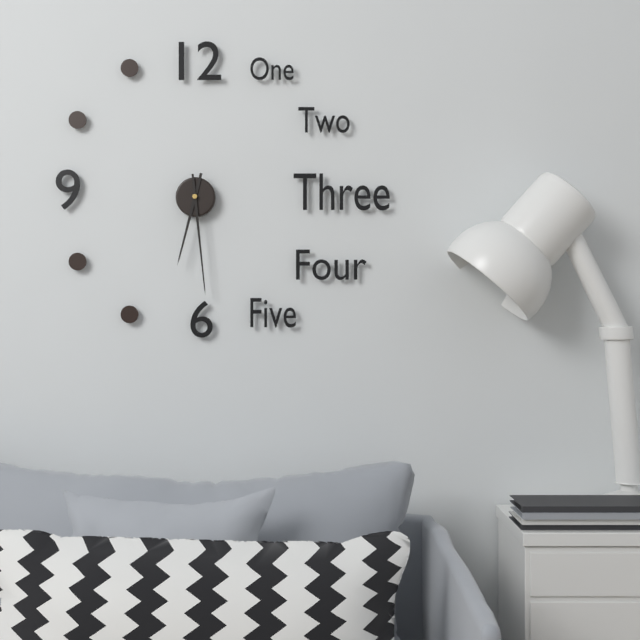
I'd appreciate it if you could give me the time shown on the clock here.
6:29
